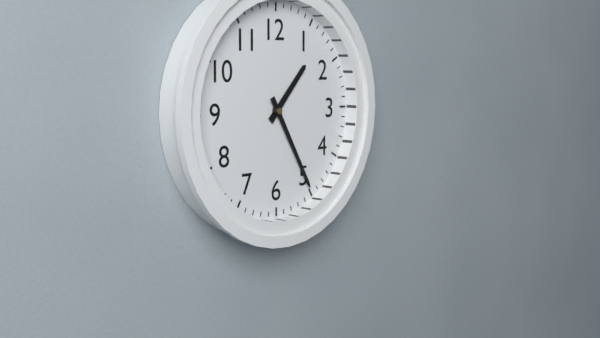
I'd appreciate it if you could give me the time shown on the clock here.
1:25
